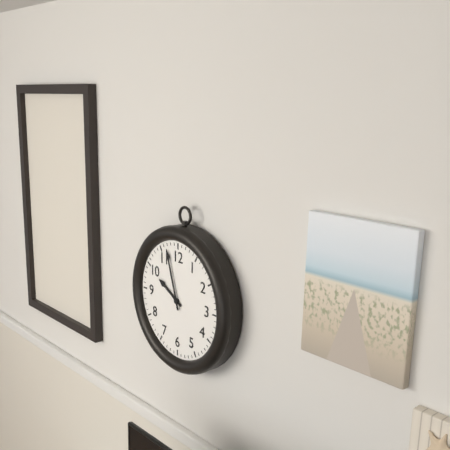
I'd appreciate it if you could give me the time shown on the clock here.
9:57
